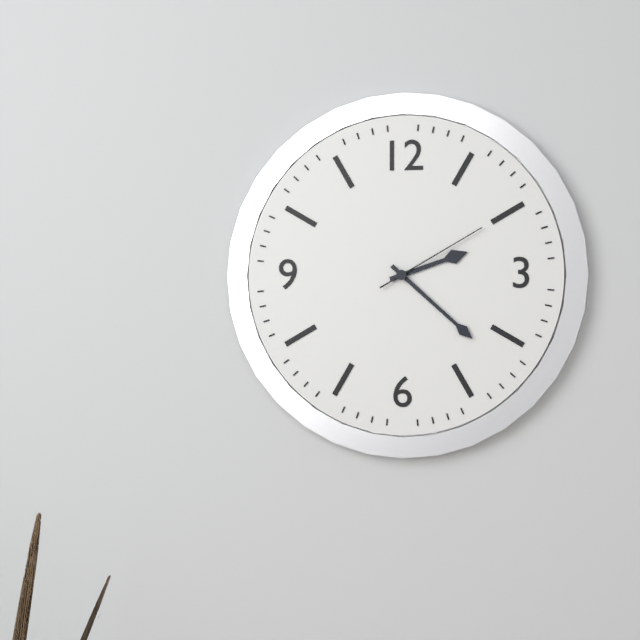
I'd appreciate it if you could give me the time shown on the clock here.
2:22:10
